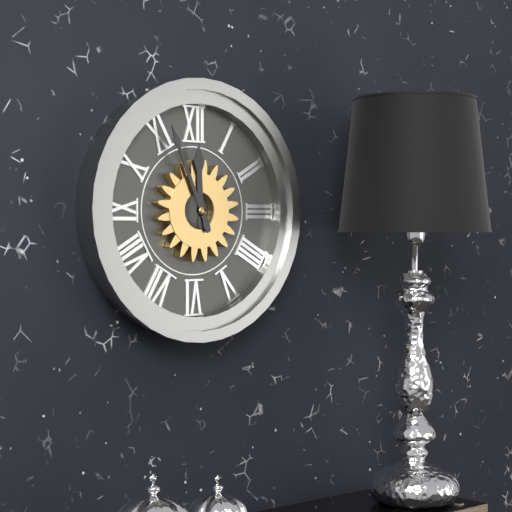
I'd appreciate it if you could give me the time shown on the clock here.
11:56
